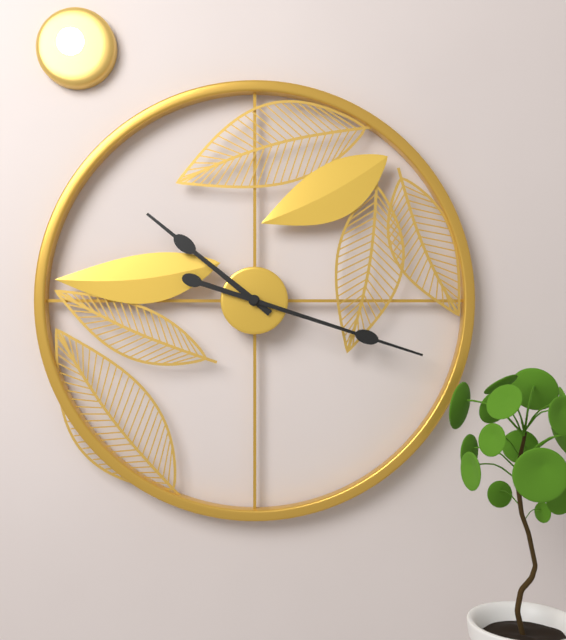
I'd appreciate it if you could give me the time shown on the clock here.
10:18
